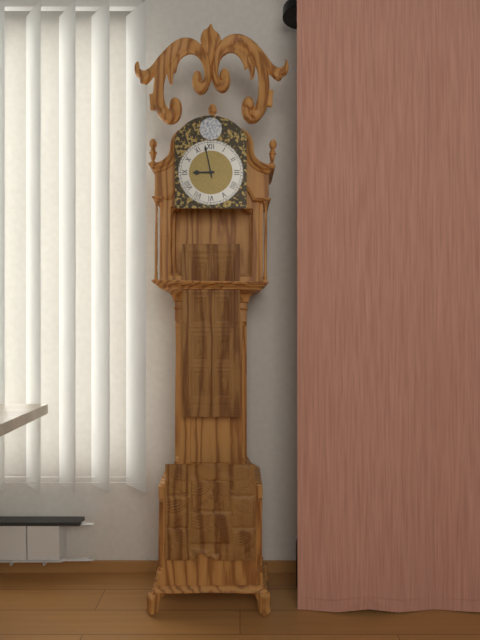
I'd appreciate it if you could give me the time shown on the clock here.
8:58
